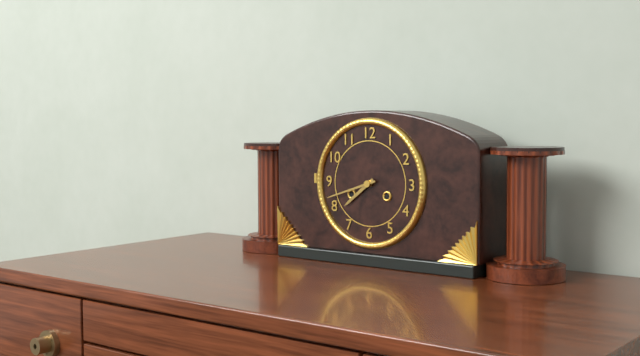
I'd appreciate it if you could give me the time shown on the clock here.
7:42
